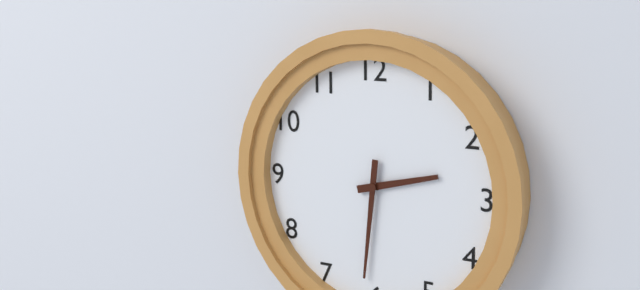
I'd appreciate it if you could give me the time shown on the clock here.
2:31
